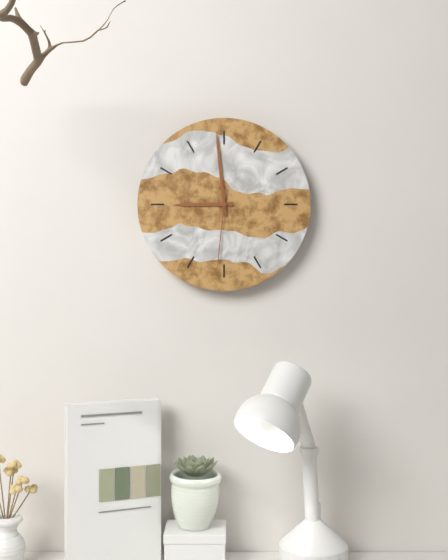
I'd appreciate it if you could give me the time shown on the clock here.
8:59:31
